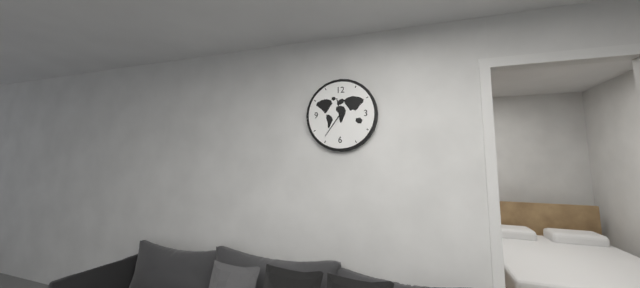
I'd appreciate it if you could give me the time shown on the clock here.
11:36
